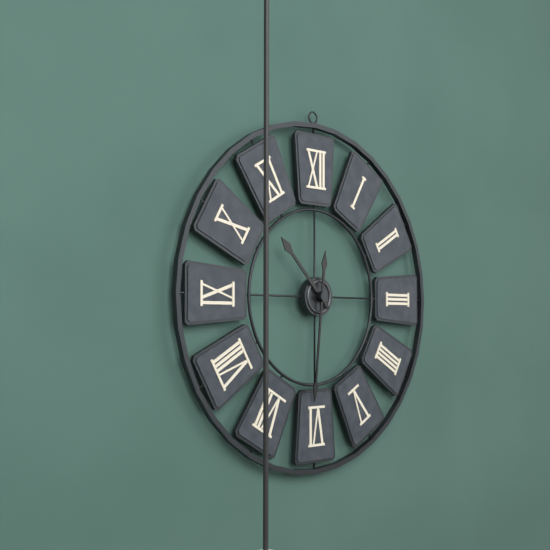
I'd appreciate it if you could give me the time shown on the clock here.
10:31
